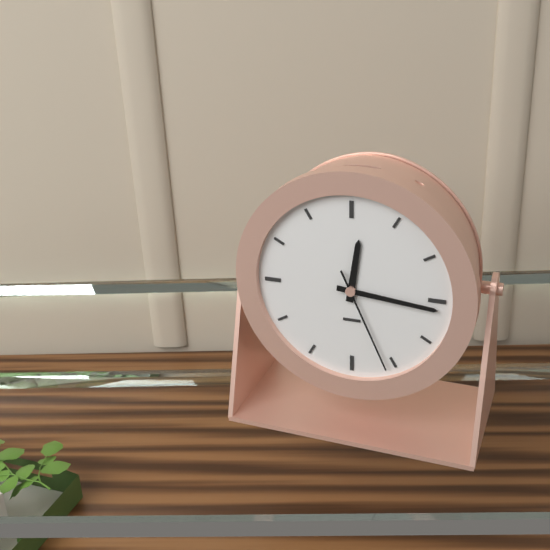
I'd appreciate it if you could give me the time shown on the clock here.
12:16:26
